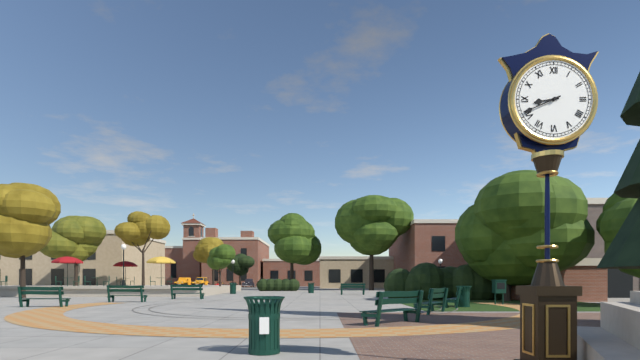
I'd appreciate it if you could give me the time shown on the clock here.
8:41
